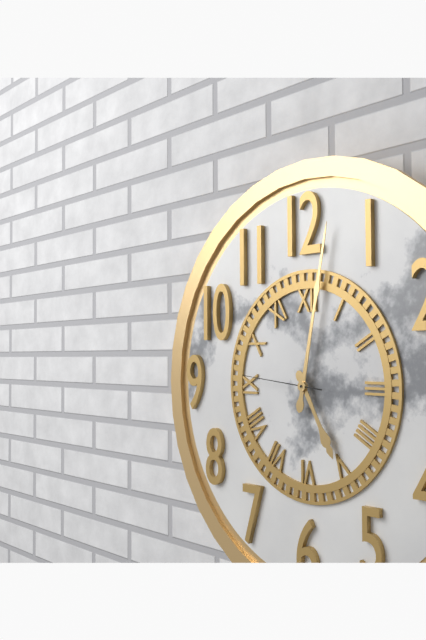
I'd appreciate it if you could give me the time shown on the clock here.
5:02:46
